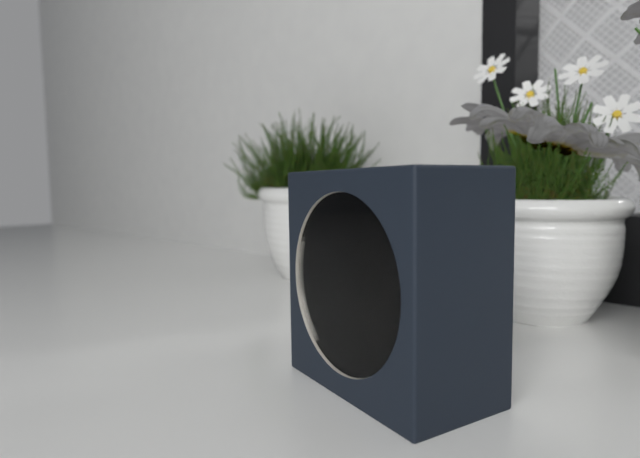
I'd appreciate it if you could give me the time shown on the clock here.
5:28:09
